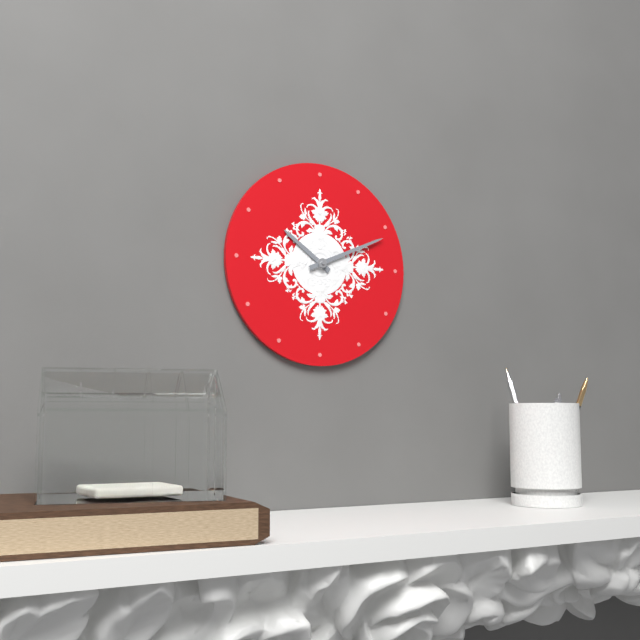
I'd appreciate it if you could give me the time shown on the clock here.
10:11
